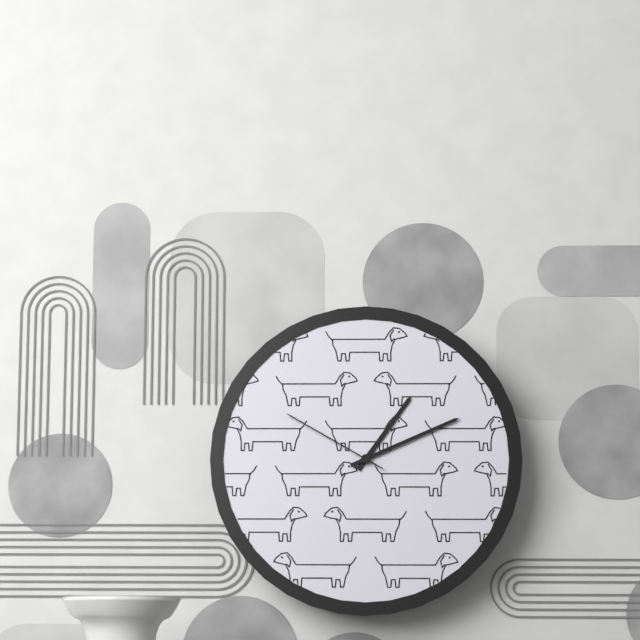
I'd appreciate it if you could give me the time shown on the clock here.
1:11:50
